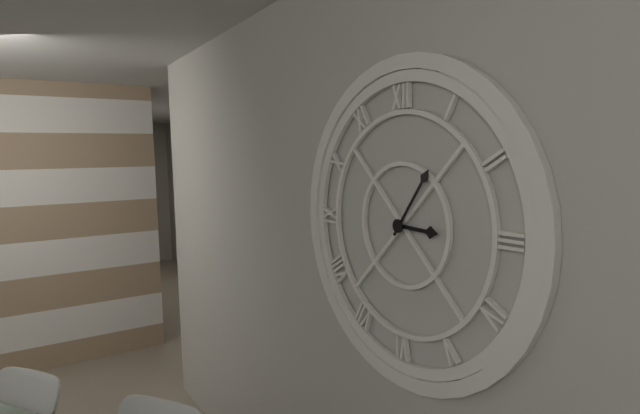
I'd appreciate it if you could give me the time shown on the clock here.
3:06
